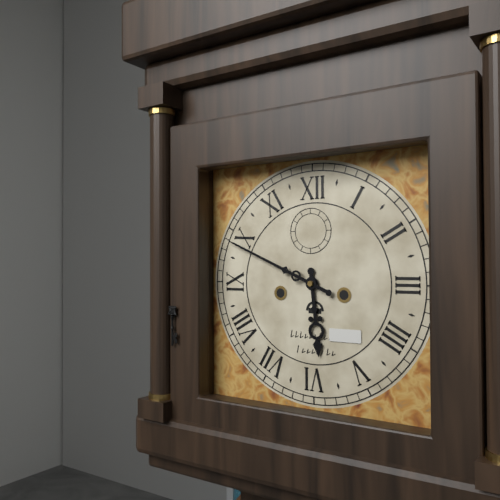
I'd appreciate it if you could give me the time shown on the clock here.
5:49
